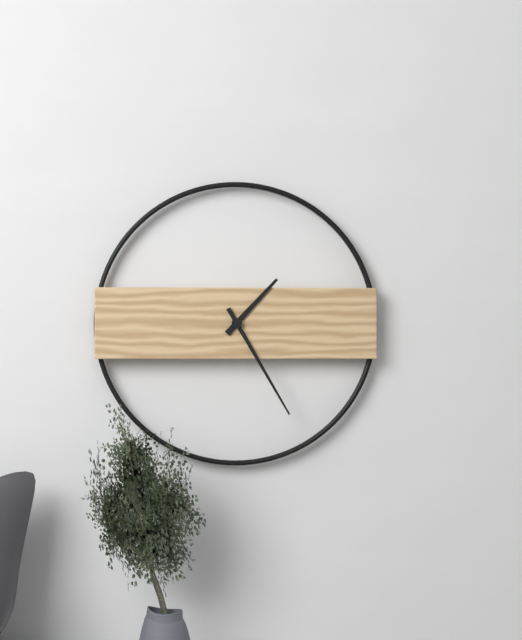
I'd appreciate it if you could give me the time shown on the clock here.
1:25
